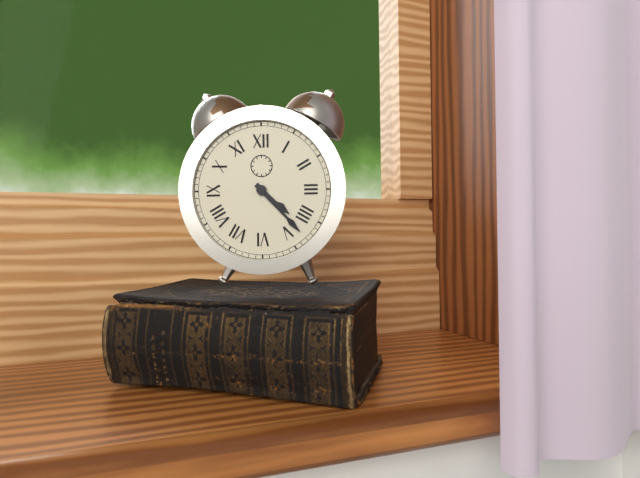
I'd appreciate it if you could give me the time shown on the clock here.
4:23
